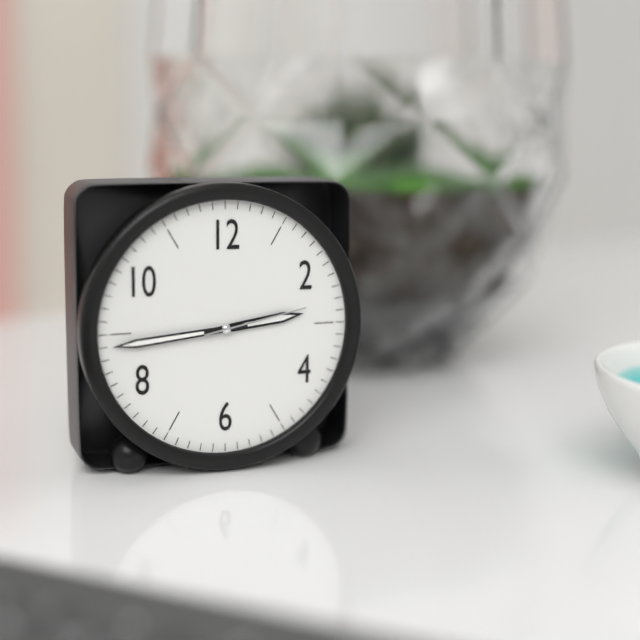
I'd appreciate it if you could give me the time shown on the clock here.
2:44:13
